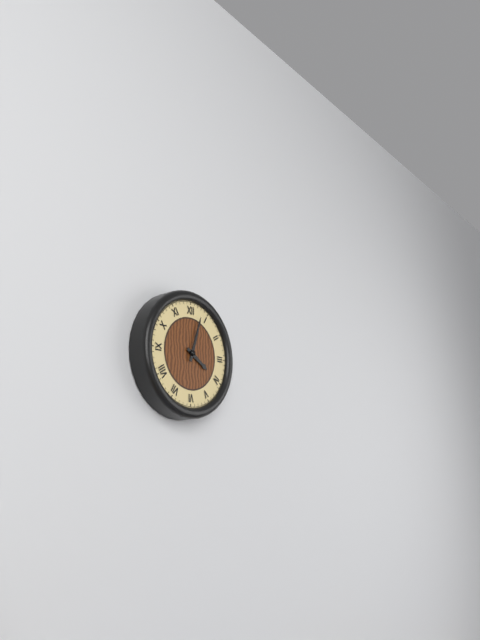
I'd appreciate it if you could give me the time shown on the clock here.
4:03
